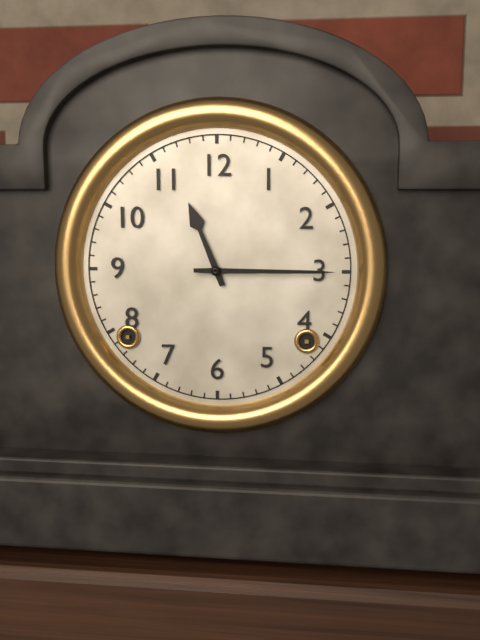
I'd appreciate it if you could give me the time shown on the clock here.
11:15
